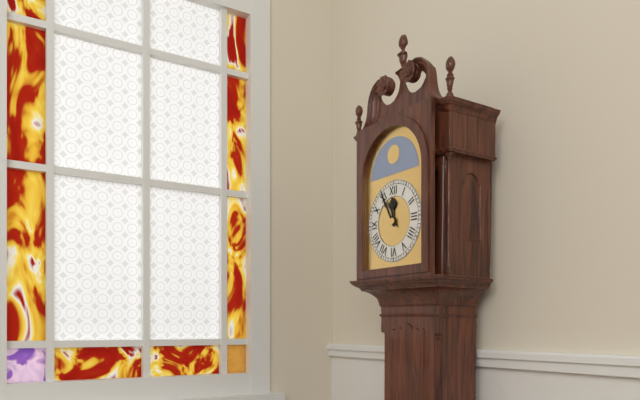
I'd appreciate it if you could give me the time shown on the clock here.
11:55
